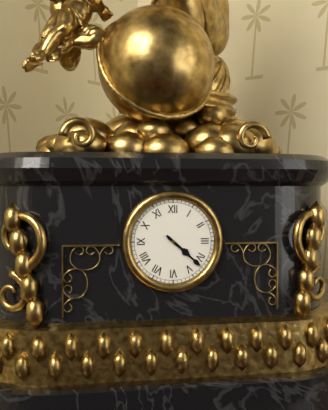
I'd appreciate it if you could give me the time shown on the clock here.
4:22
